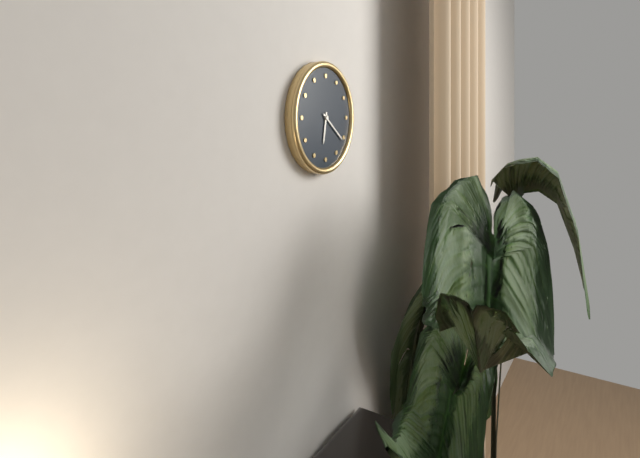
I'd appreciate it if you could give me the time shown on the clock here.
6:21
